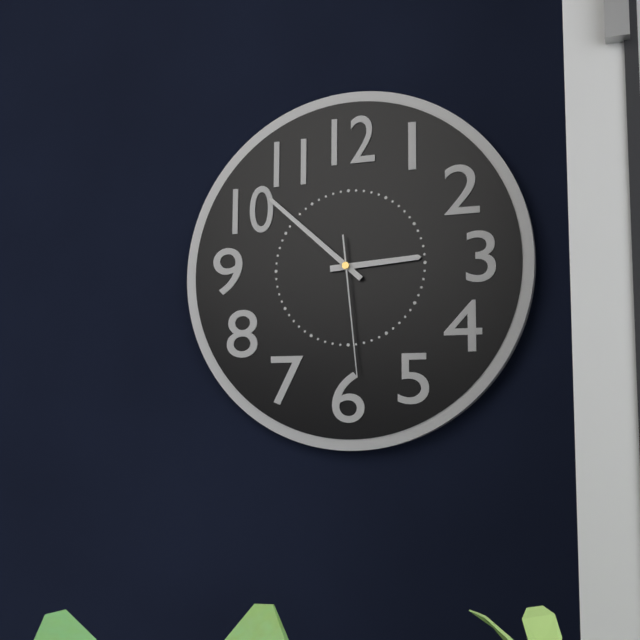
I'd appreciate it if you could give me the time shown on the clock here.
2:52:29
